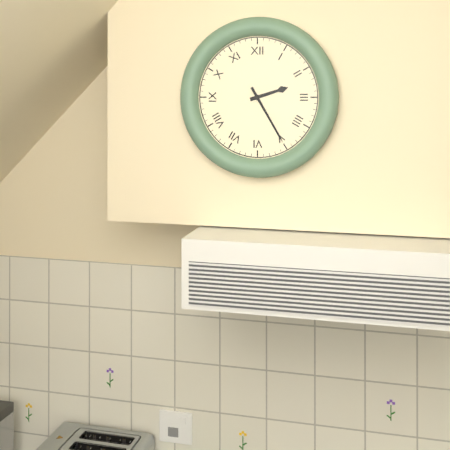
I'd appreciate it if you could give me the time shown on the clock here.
2:25
